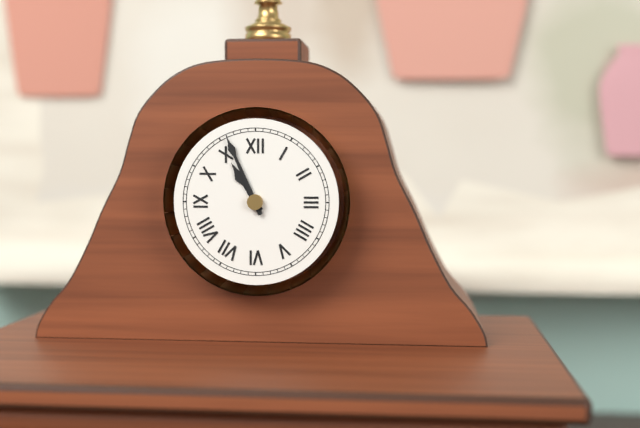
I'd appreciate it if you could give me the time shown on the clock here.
10:56
